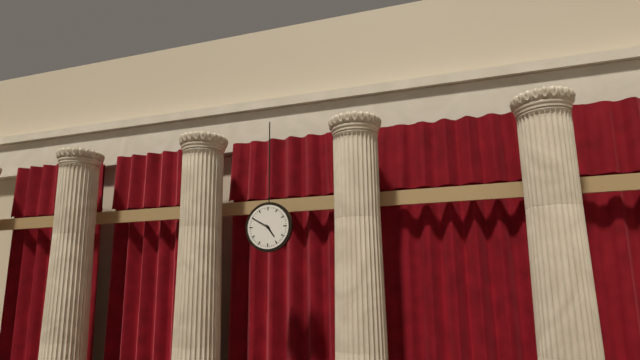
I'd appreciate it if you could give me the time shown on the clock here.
4:50
